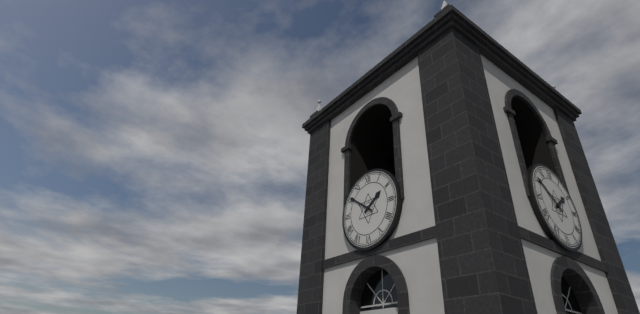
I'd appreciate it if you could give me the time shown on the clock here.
1:51
